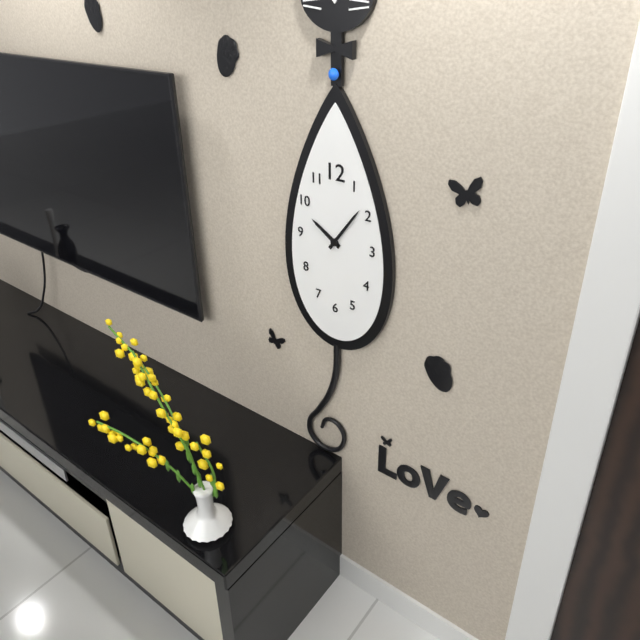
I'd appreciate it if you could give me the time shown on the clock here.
10:06
